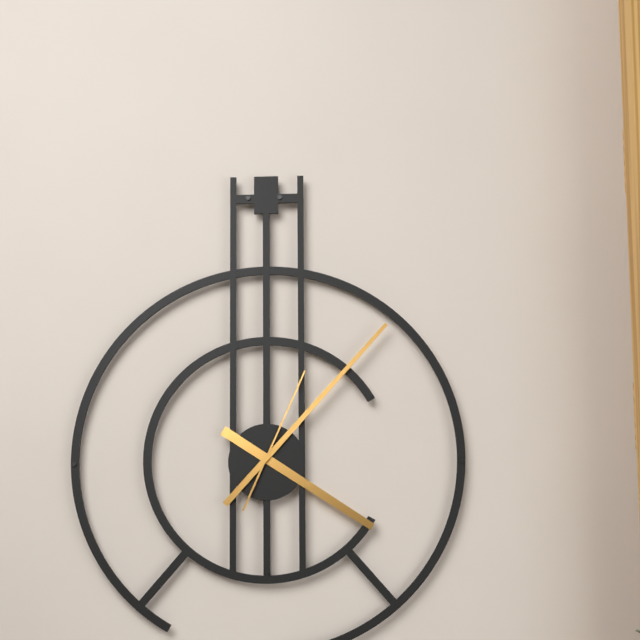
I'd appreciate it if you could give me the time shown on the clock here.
4:07:04
